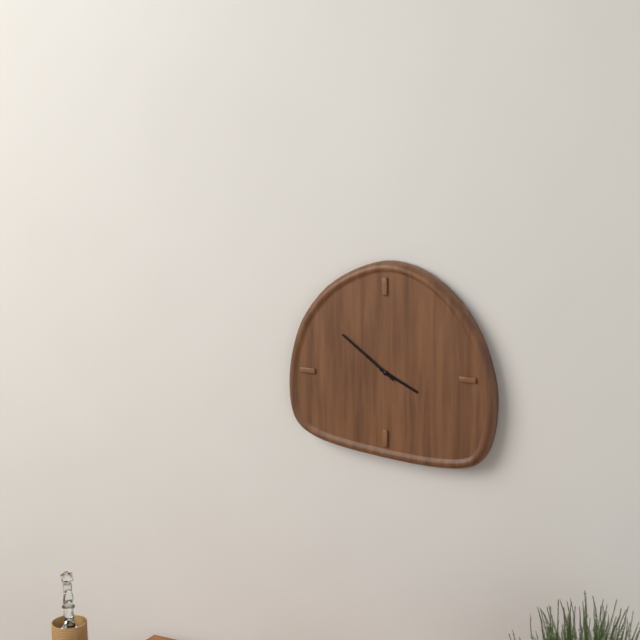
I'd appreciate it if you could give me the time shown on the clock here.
3:51
